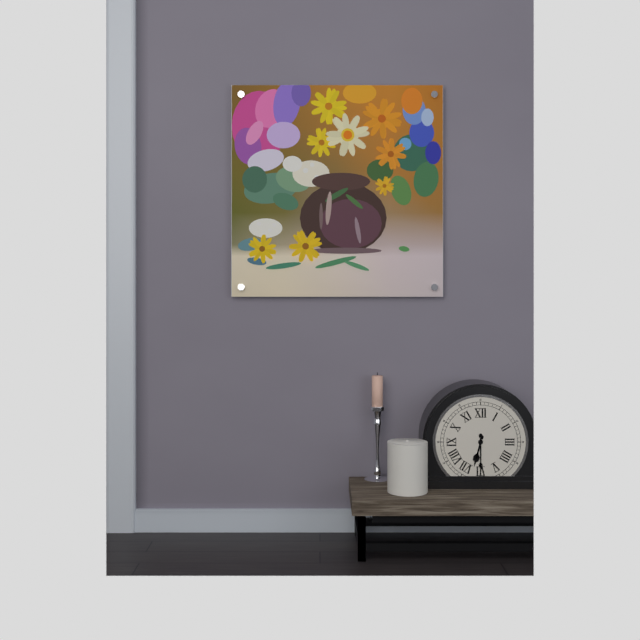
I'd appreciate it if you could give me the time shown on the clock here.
6:30
